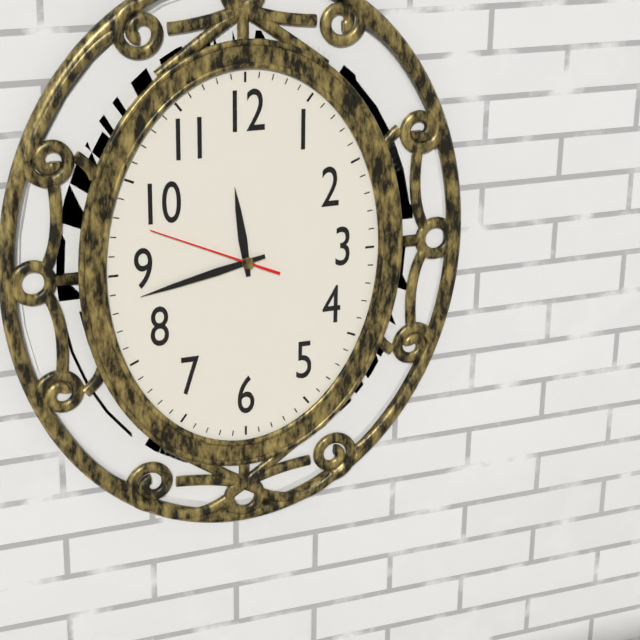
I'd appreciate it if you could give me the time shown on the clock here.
11:43:49
